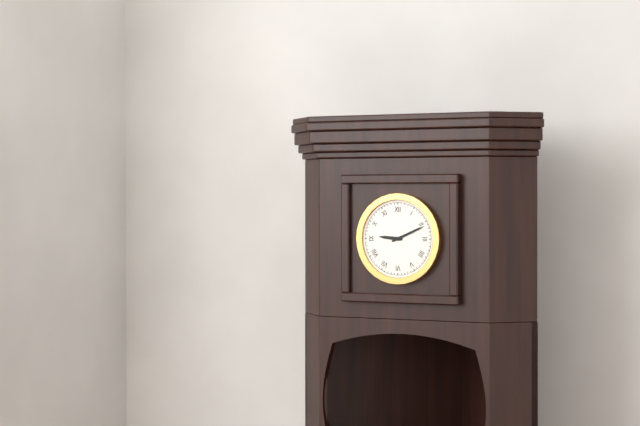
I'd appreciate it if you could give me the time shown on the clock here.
9:11
